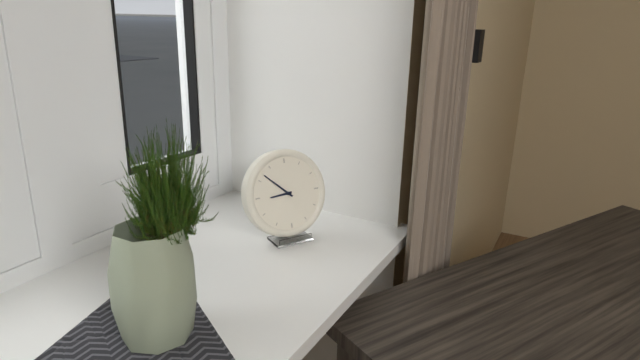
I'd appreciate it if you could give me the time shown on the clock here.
8:52
